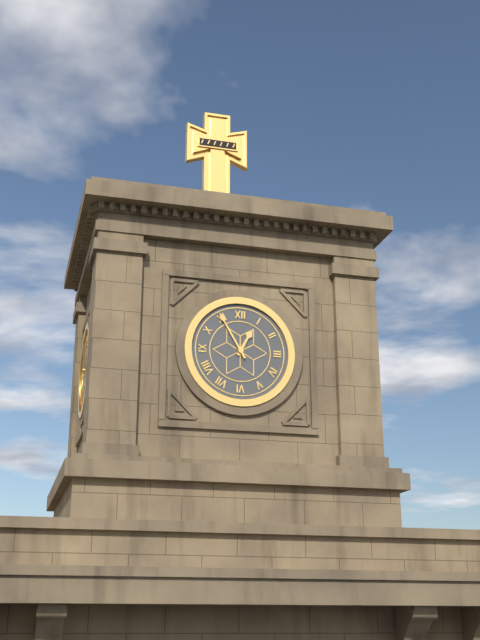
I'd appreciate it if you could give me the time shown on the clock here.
12:55
